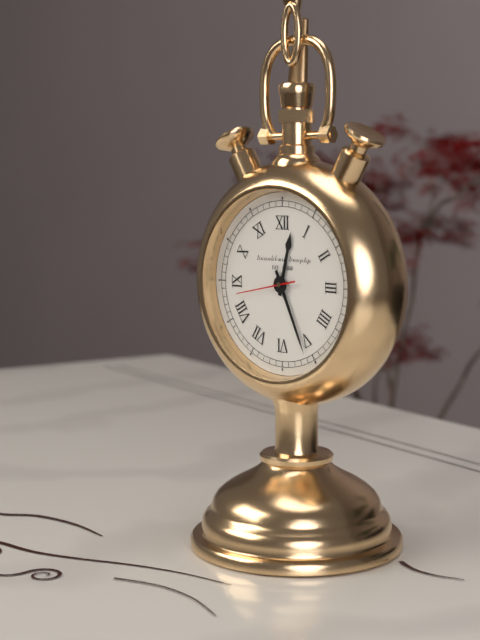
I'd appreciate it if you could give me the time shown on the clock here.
12:26:43
